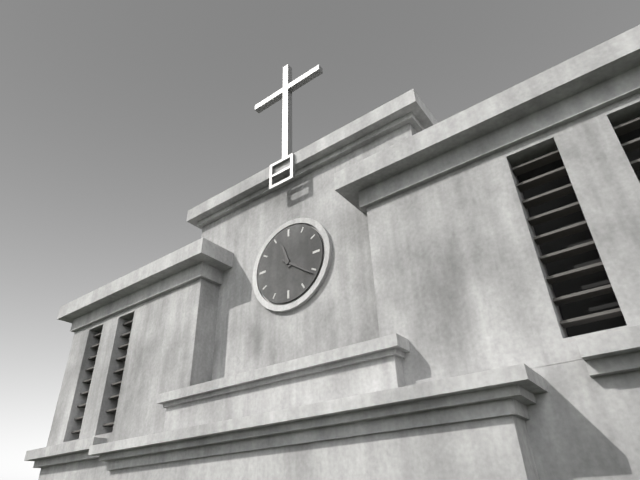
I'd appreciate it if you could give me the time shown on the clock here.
11:21
